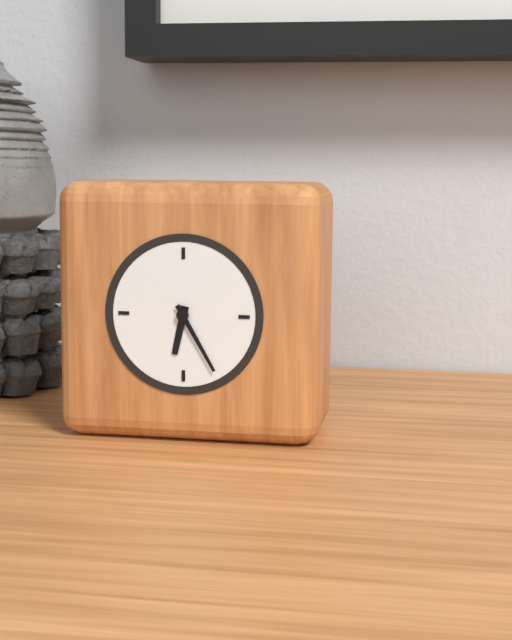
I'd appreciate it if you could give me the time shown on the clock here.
6:25
